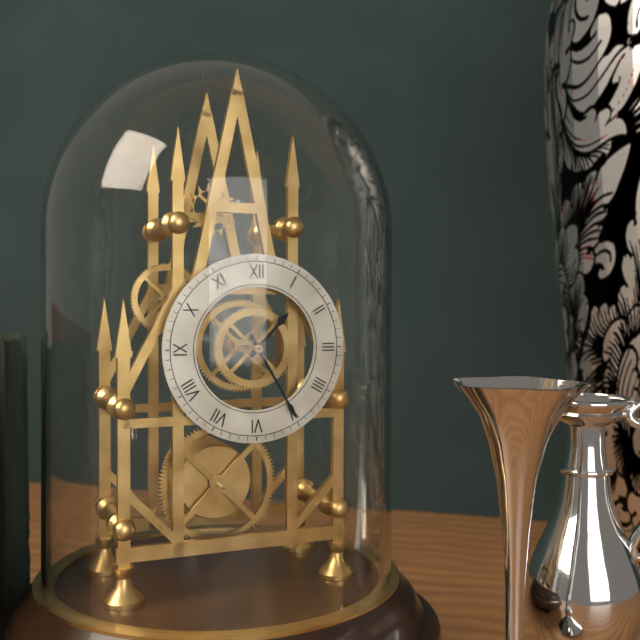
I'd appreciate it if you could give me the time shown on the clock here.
1:25
